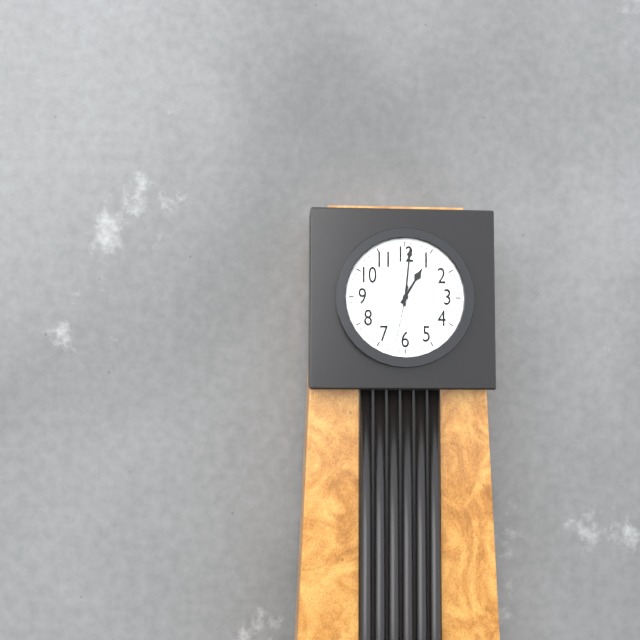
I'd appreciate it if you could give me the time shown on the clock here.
1:01:32
